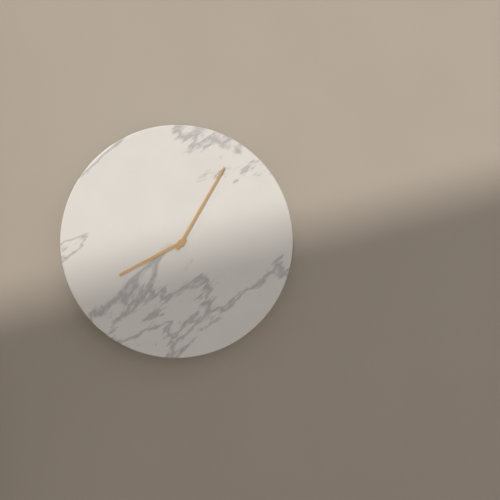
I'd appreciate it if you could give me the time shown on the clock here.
8:05
